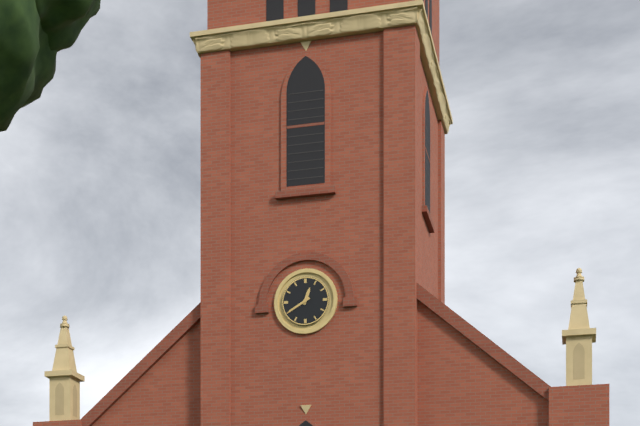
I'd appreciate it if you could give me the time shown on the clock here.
12:40
